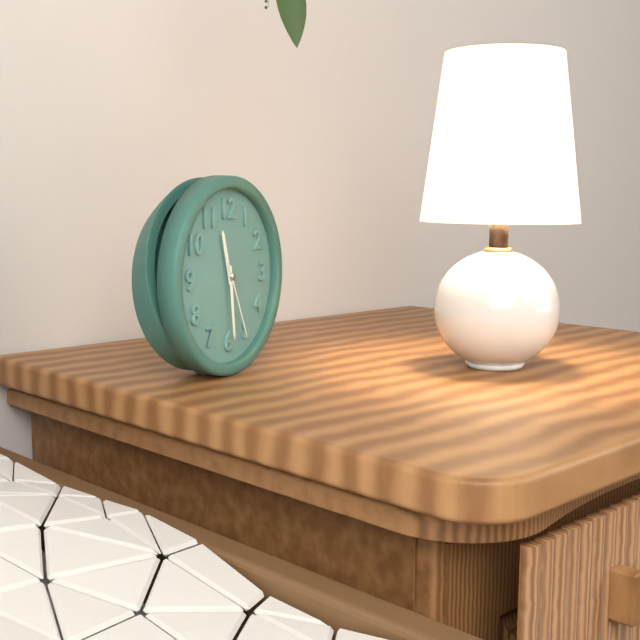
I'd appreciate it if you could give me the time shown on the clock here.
11:29:26
